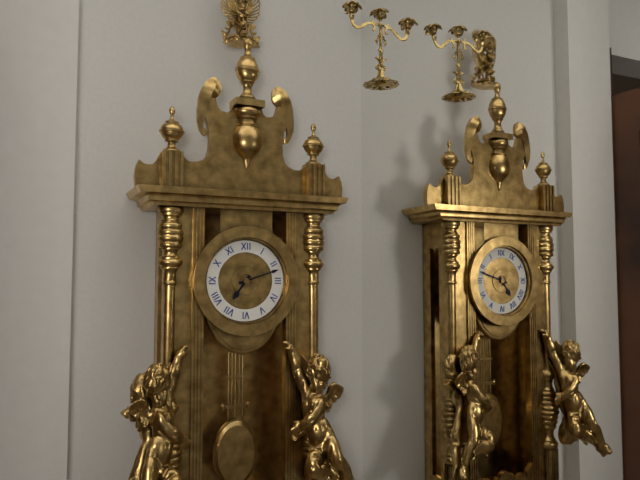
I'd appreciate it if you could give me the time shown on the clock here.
7:12
